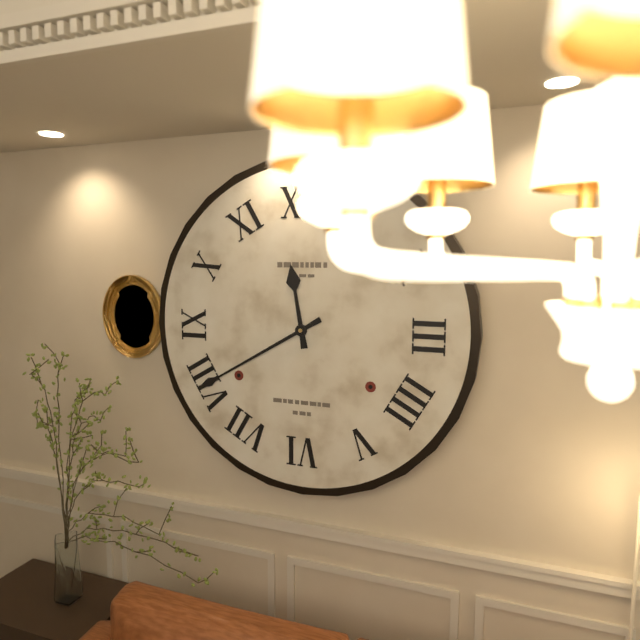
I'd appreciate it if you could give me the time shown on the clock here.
11:40
